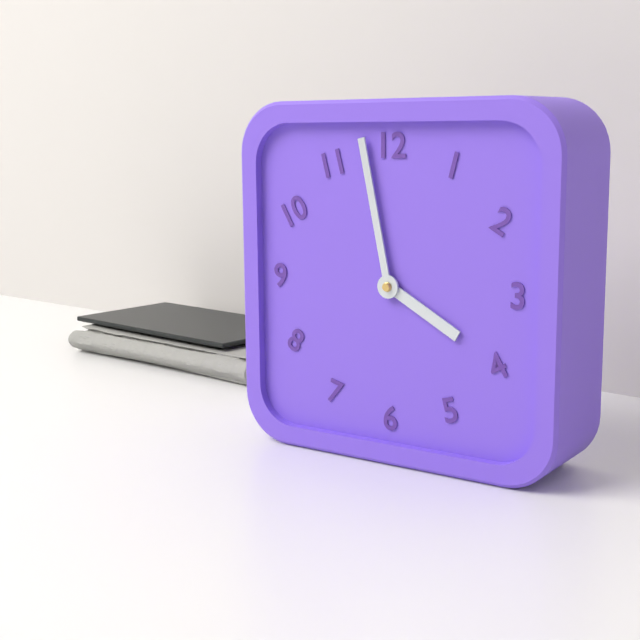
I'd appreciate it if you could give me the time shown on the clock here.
3:58
